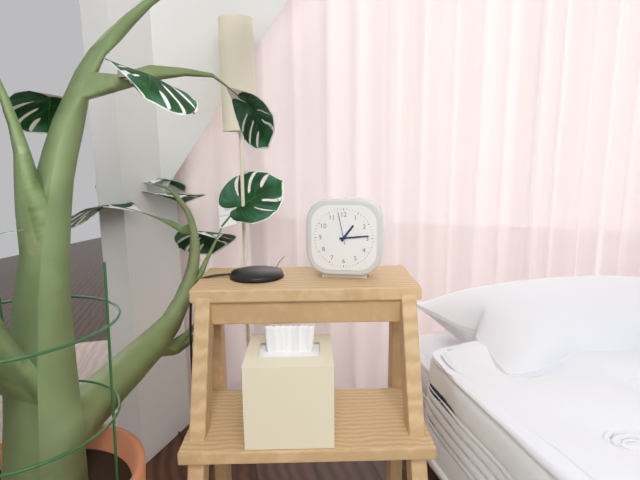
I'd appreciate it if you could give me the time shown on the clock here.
1:14
